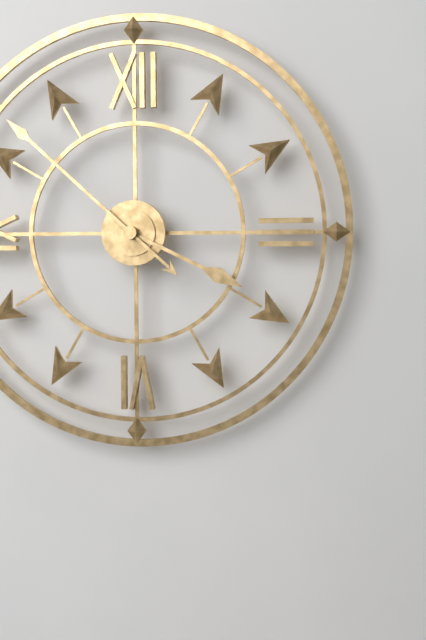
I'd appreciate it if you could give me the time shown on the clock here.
3:52
